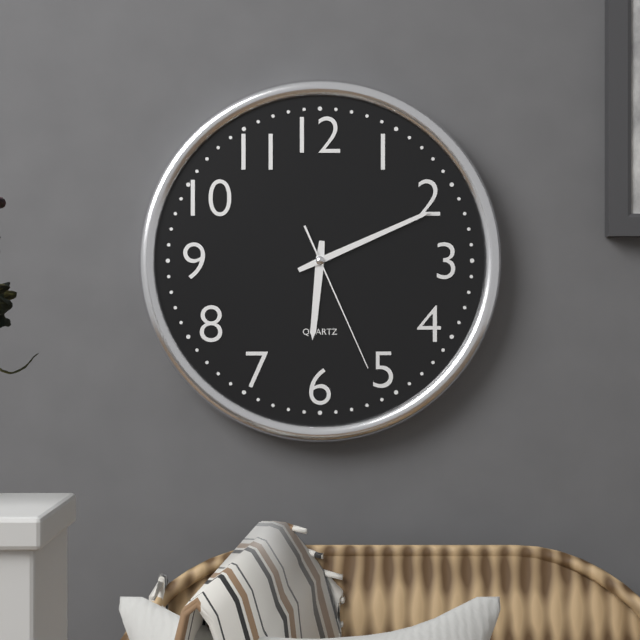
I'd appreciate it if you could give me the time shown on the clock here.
6:11:26
